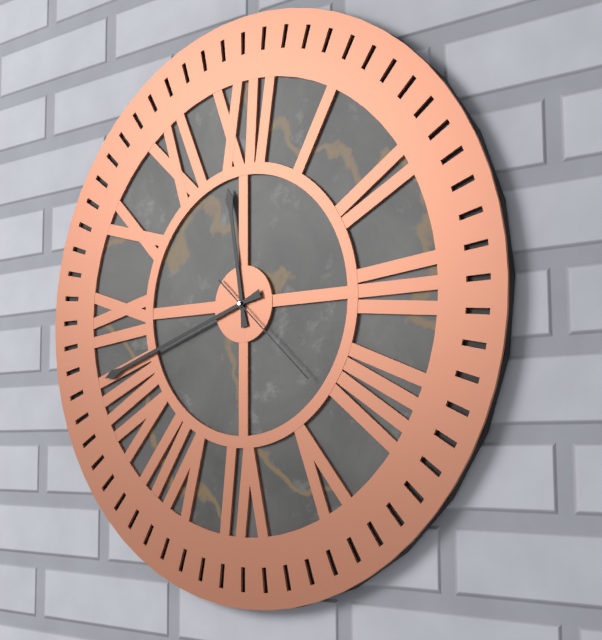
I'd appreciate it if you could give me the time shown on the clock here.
11:42:22
